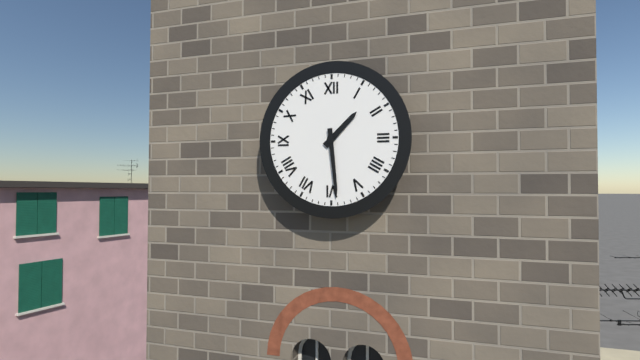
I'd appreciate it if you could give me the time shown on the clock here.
1:29
